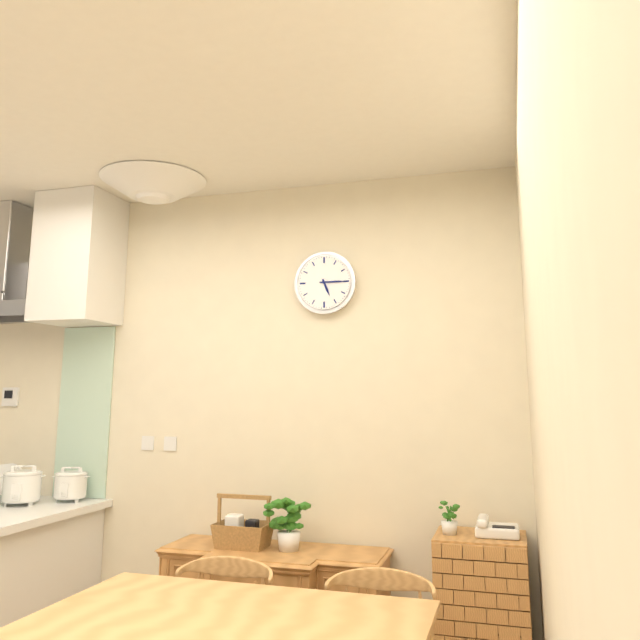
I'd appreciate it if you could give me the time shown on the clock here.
5:15
